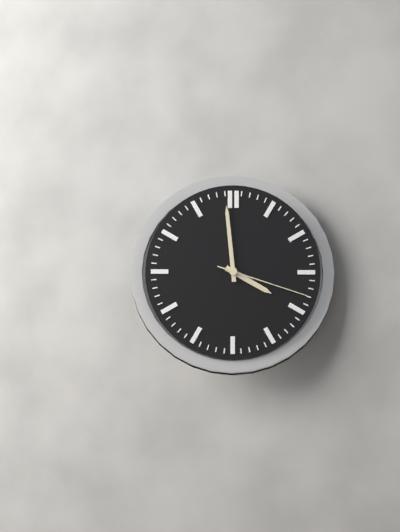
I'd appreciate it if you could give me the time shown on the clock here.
3:59:18
